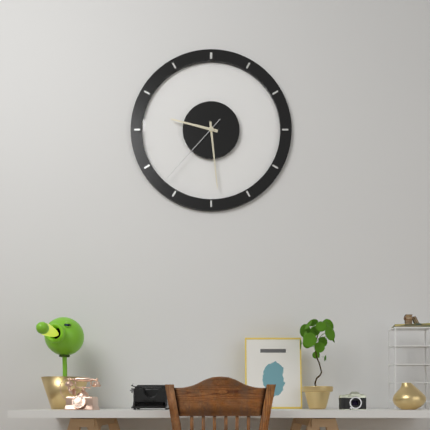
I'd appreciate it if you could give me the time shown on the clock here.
9:29:37
